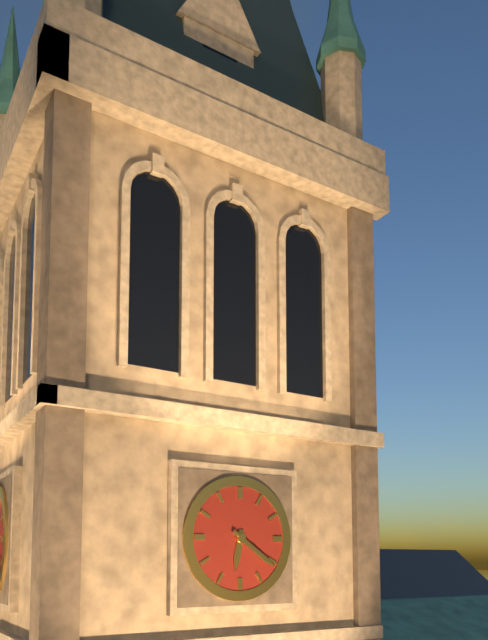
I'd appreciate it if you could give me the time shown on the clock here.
6:21
